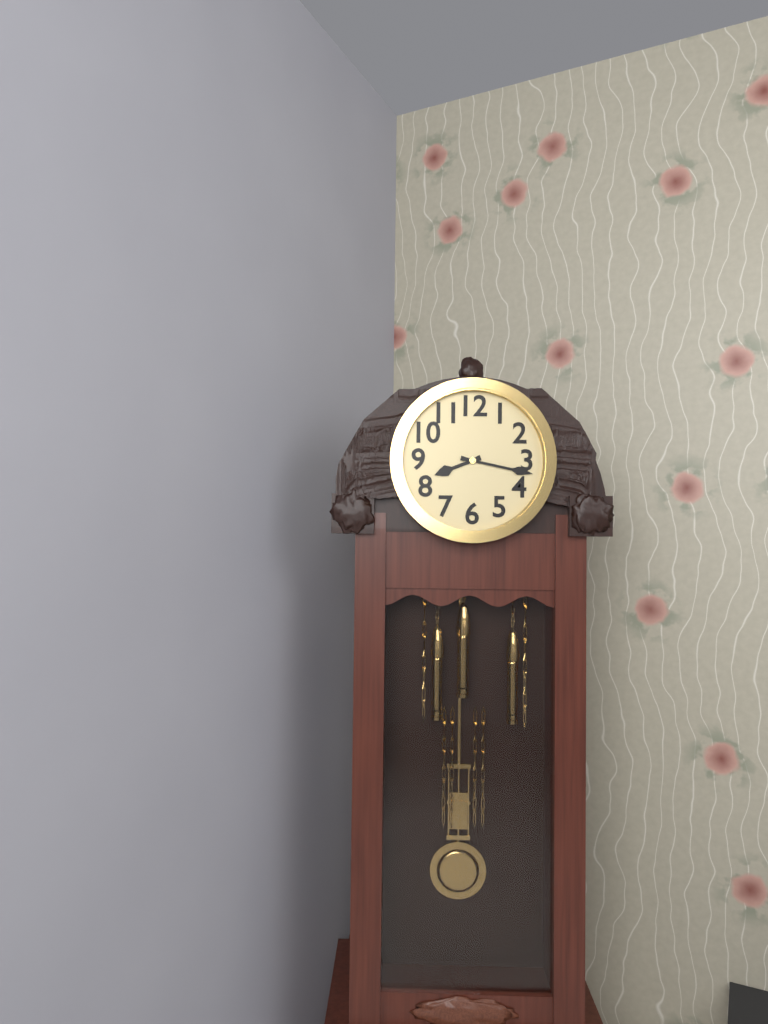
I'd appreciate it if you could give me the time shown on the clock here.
8:17
